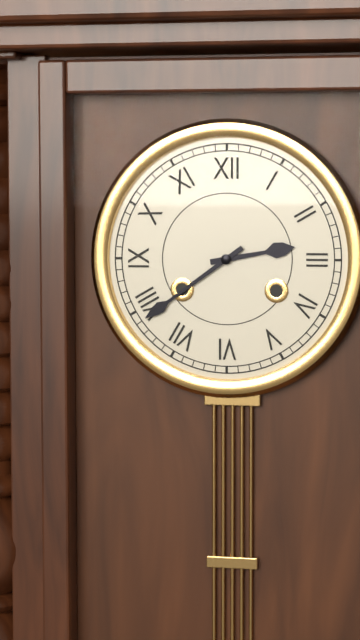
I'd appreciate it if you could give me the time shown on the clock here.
2:39
